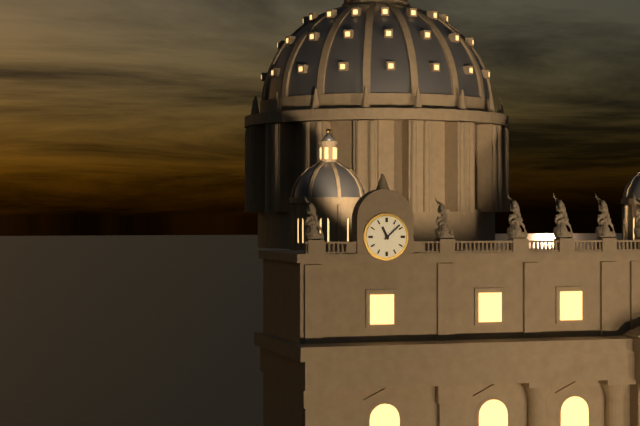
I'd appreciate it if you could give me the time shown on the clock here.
11:08
